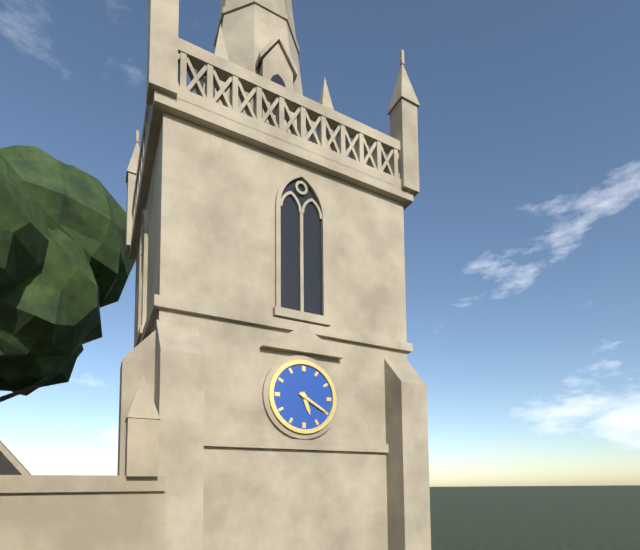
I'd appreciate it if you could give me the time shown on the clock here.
5:20
